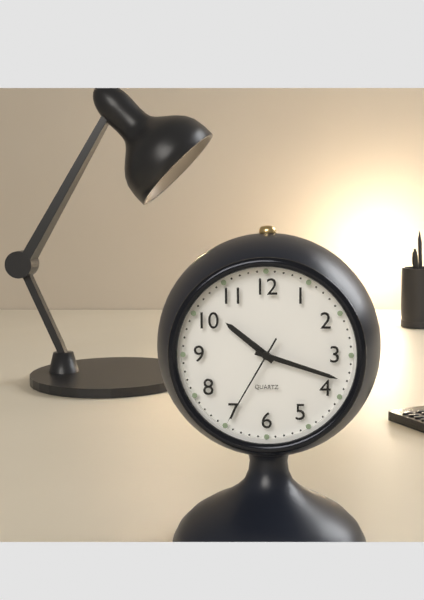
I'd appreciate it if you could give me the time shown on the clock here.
10:18:35
